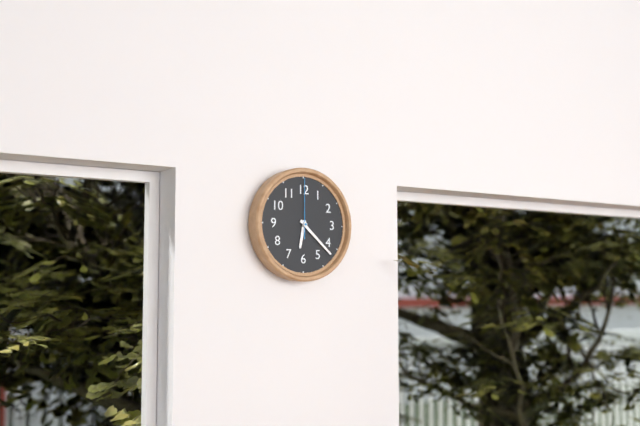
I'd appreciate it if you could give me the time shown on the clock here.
6:22:00
